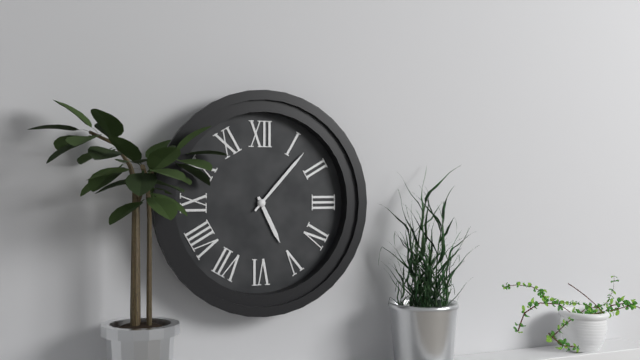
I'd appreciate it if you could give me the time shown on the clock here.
5:07
